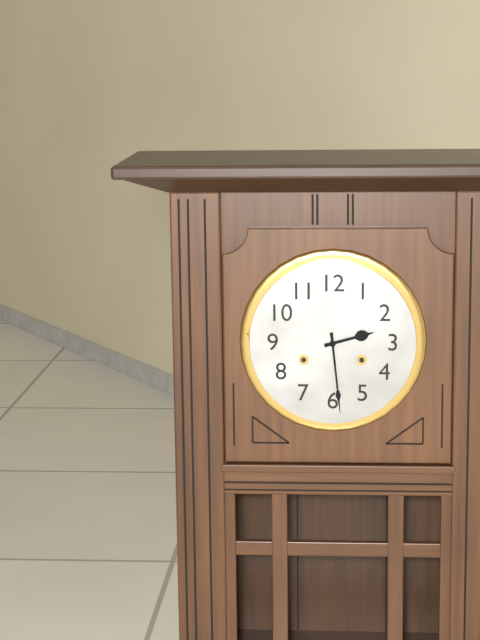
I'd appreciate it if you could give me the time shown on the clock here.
2:29
